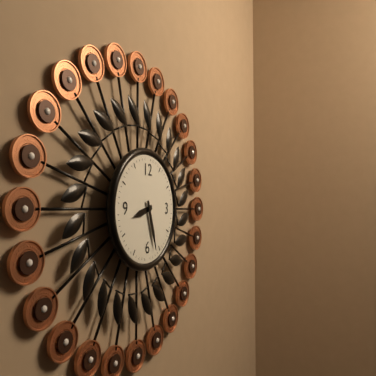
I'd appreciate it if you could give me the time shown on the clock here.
8:27
